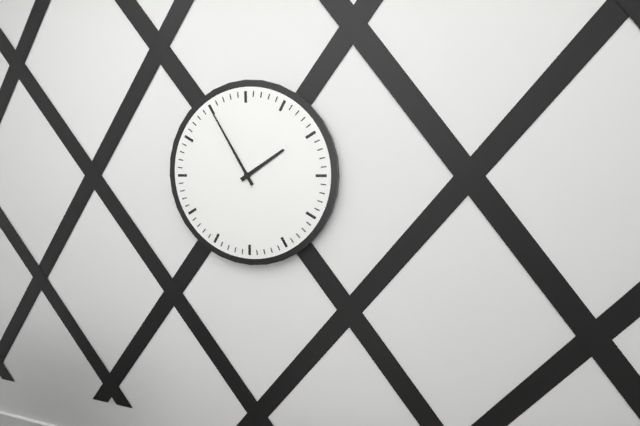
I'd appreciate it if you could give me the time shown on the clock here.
1:55
